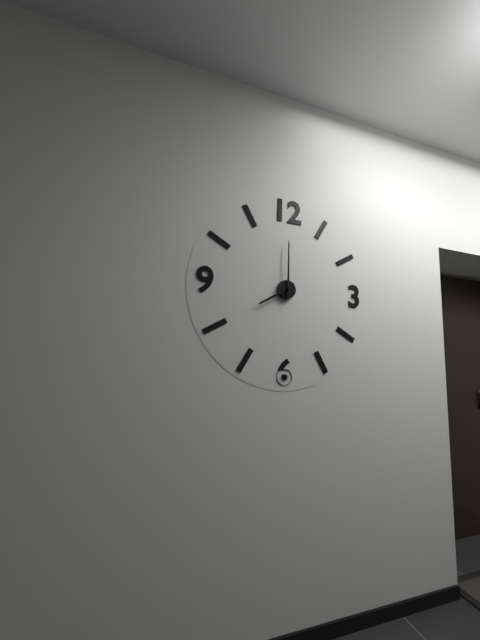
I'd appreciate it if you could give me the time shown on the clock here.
8:00
